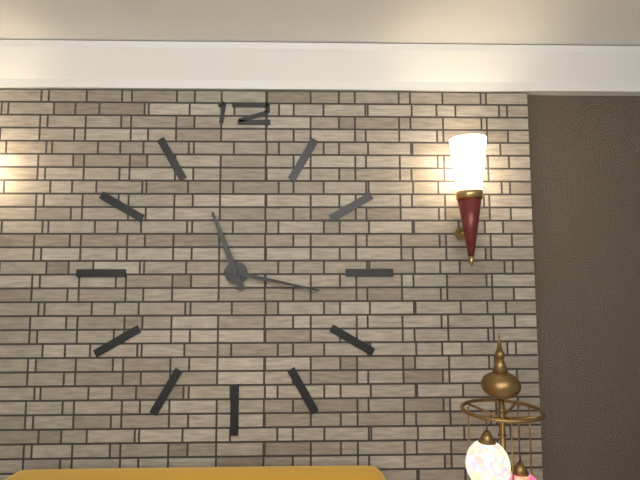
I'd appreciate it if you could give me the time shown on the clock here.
11:17
